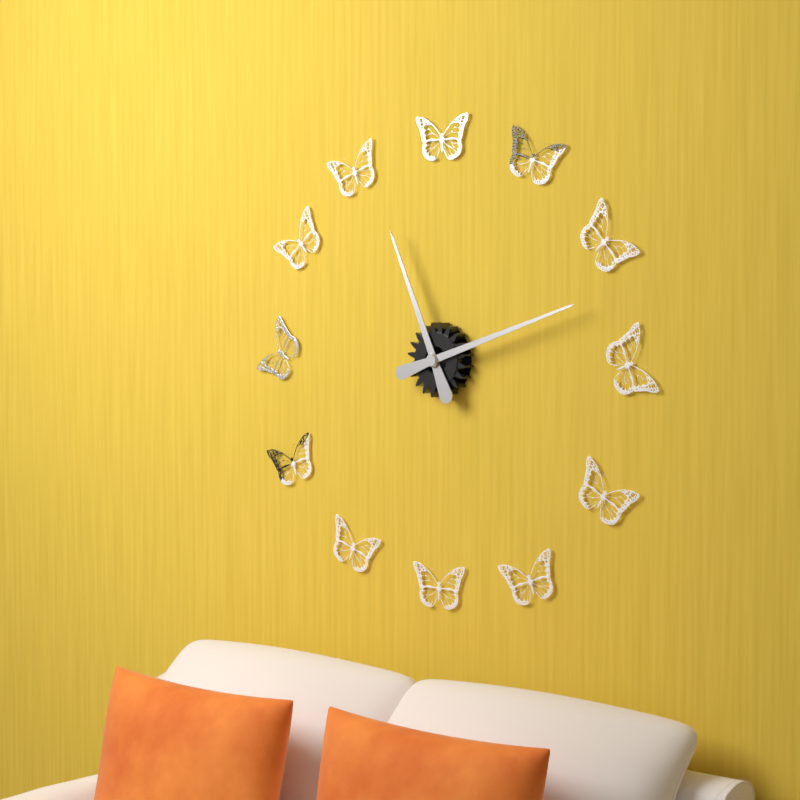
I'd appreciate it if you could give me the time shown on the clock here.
11:12
